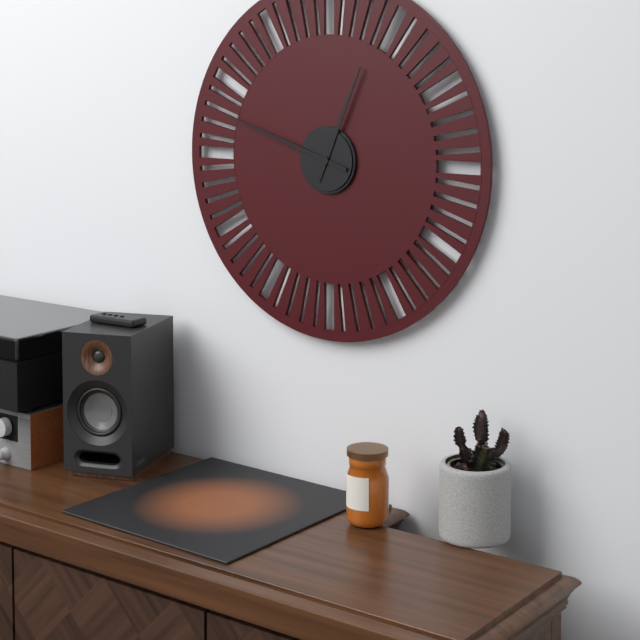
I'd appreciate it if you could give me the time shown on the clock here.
12:48
